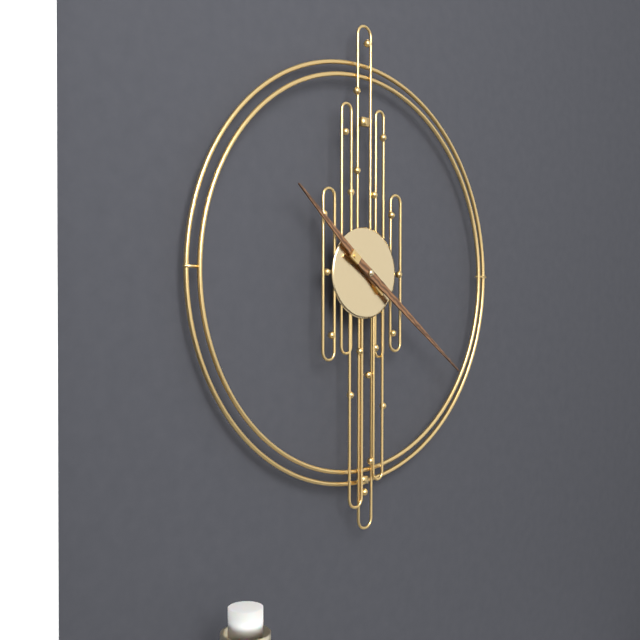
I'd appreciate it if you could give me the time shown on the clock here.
10:21
